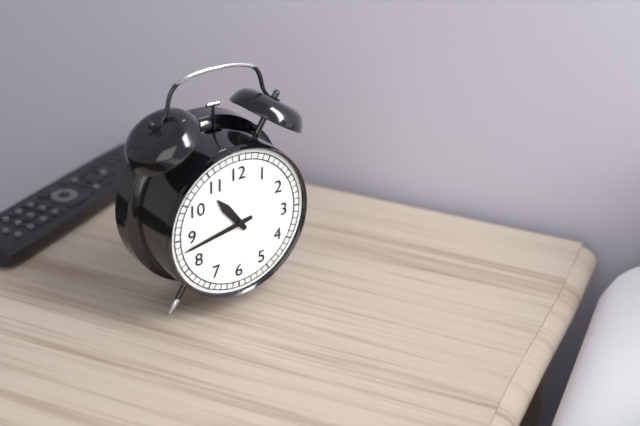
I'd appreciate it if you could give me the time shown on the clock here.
10:43
